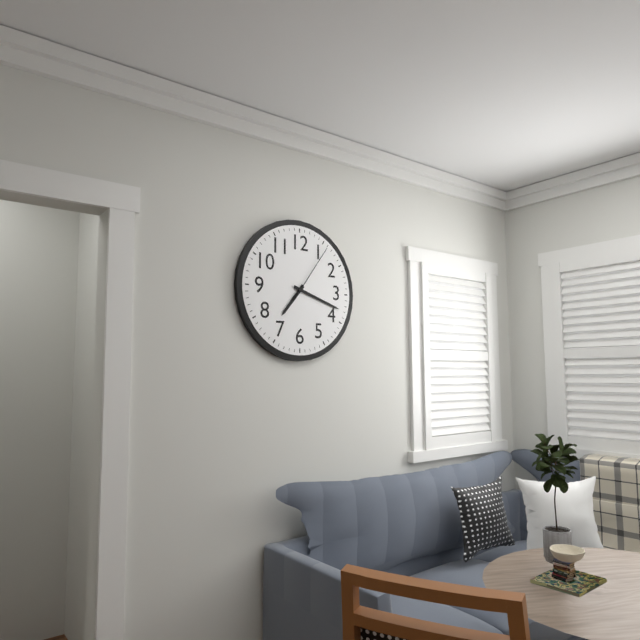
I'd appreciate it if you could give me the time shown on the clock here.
7:18:06
